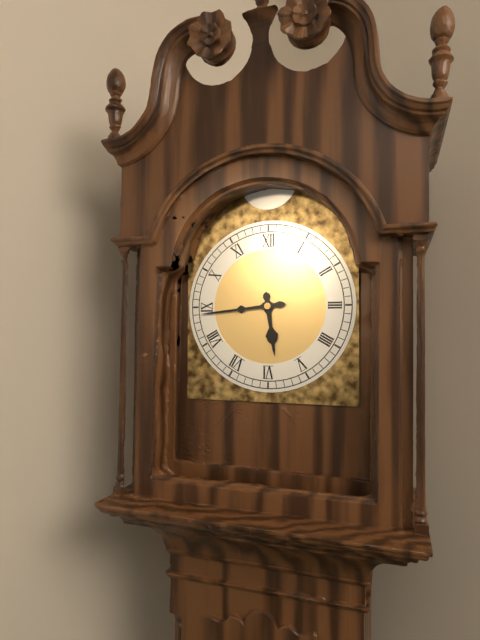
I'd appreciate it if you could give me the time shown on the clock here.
5:44
